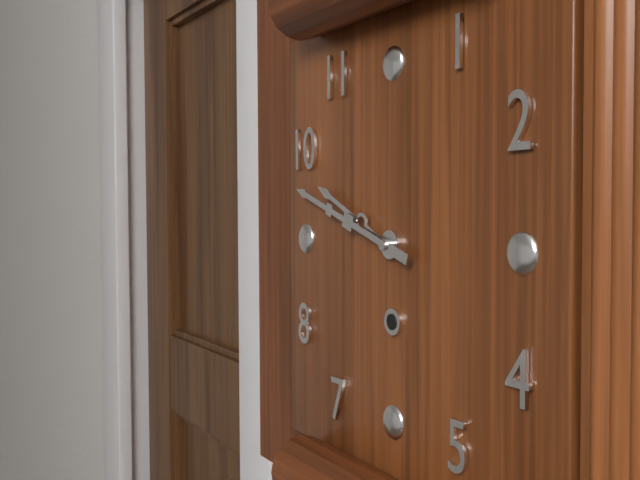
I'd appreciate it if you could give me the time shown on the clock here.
9:48
